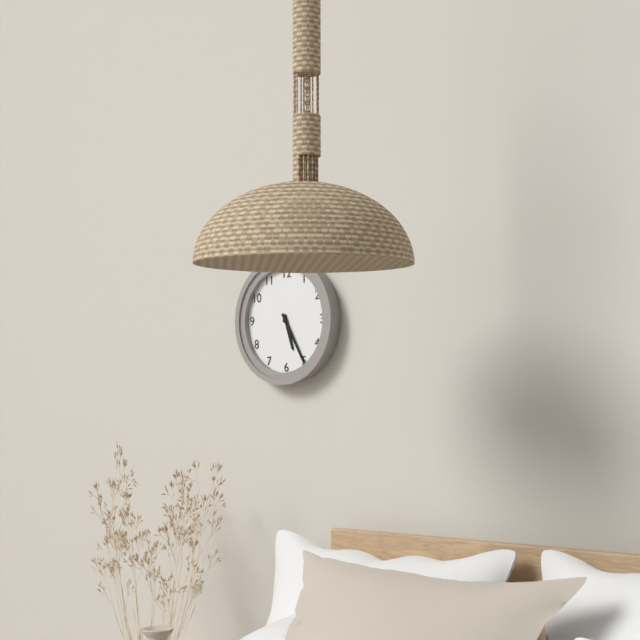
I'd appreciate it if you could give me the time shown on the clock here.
5:25
